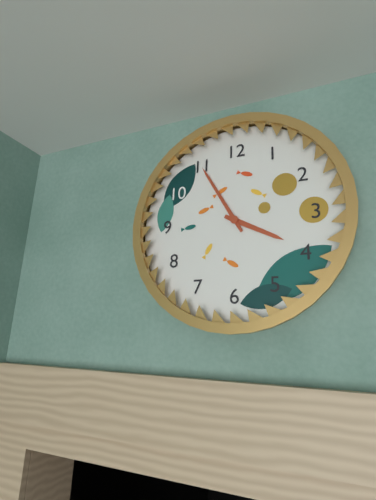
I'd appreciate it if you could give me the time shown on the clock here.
3:55
